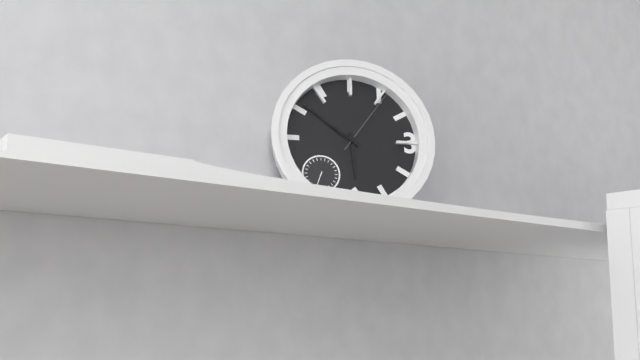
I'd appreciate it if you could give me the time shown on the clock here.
5:51:06
